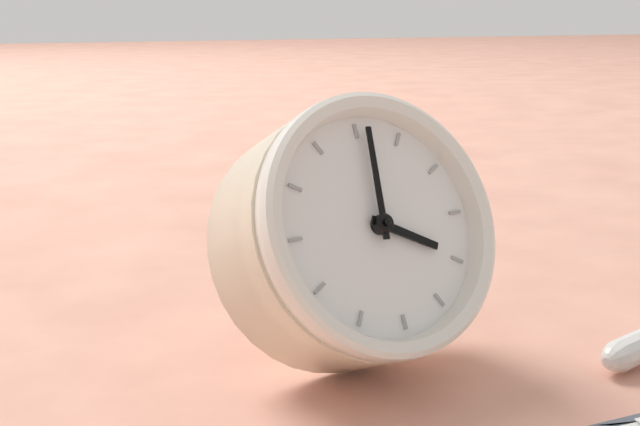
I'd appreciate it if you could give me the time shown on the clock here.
2:56
